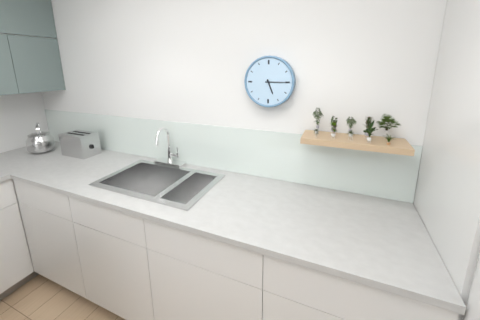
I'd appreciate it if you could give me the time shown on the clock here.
5:15
